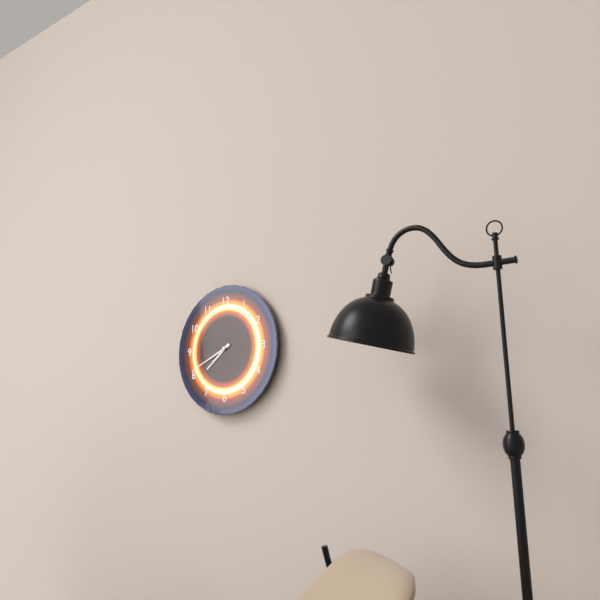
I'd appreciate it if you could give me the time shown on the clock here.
7:41
